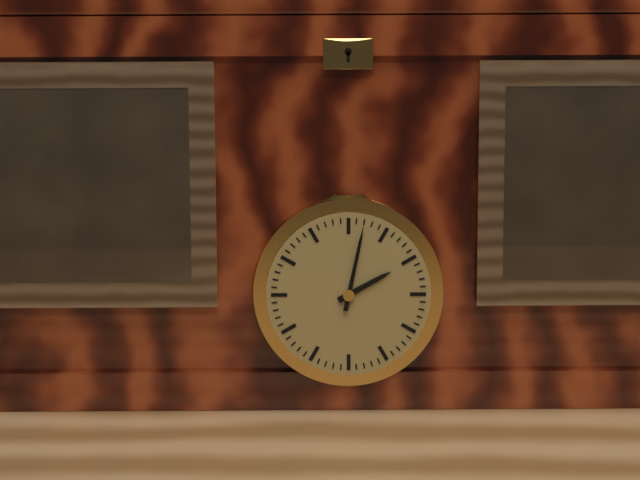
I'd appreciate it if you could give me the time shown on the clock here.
2:02
